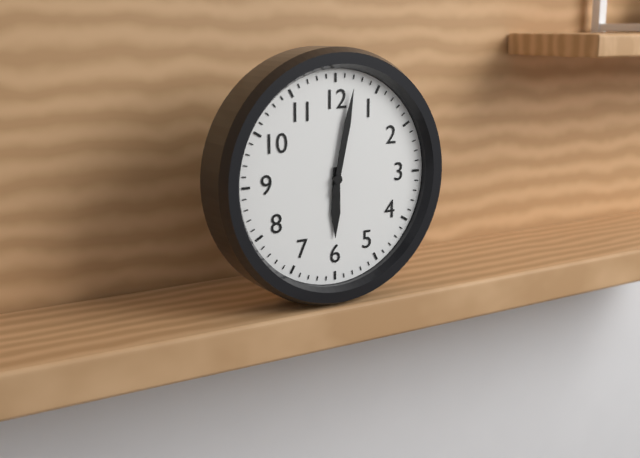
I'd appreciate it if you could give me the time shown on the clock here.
6:02
